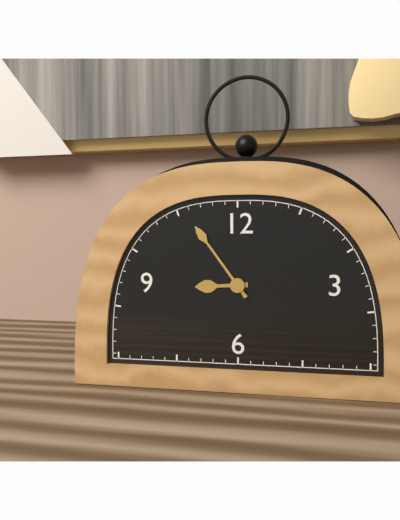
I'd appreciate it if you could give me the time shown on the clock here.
8:54
